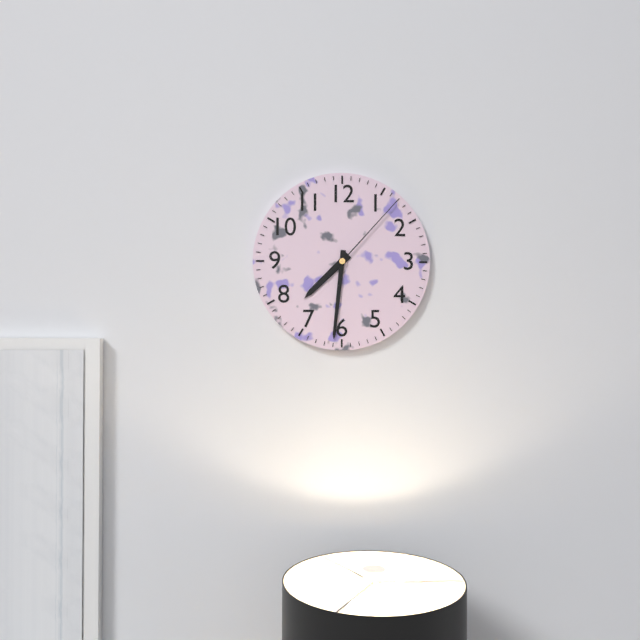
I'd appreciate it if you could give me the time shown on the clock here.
7:31:07
